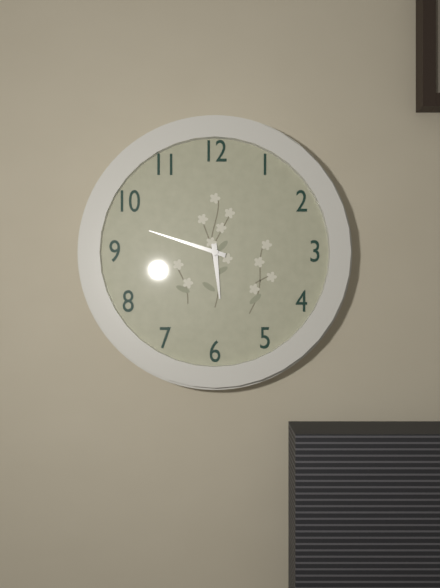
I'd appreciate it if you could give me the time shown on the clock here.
5:48
